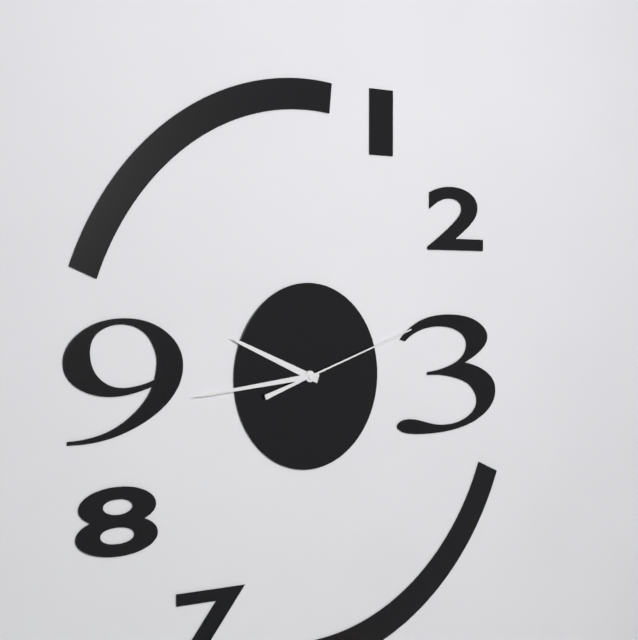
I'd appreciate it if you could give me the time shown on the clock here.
9:44:12
